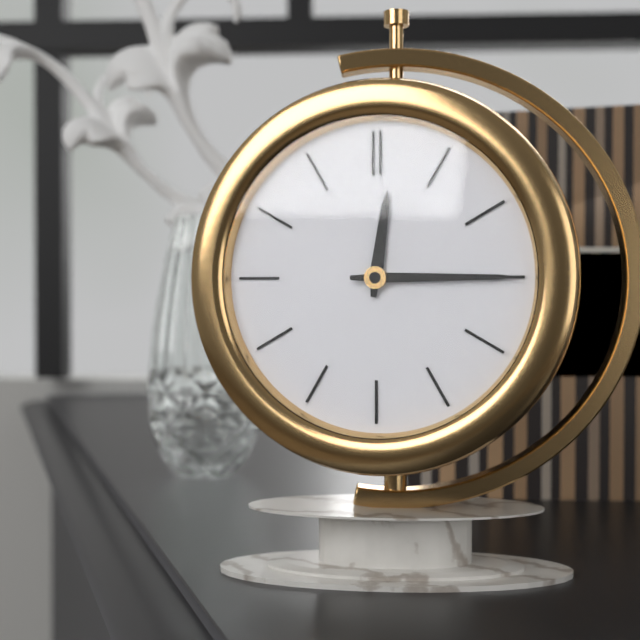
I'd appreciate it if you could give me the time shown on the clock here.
12:15
